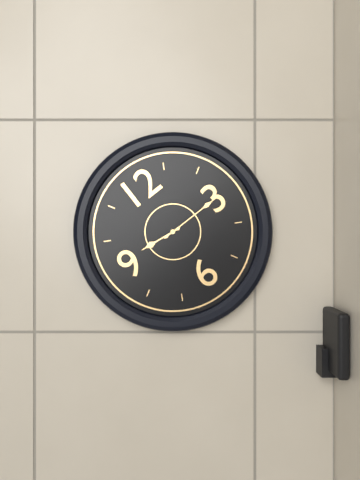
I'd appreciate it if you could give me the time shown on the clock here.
9:15
